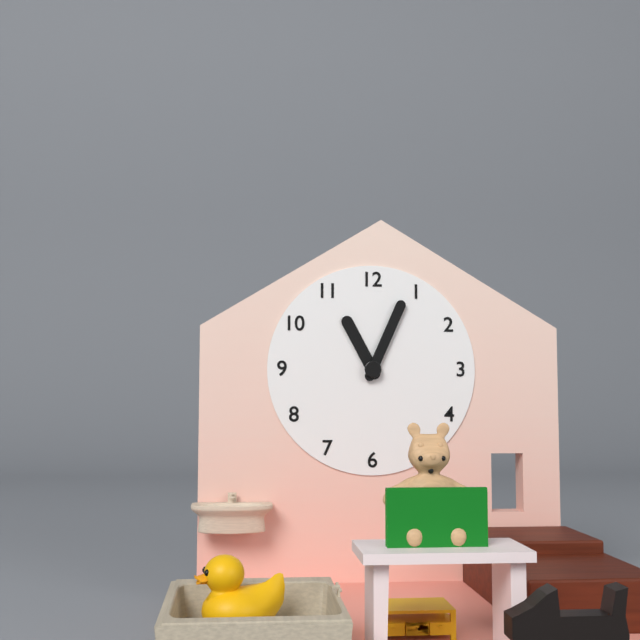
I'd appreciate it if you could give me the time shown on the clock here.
11:04
